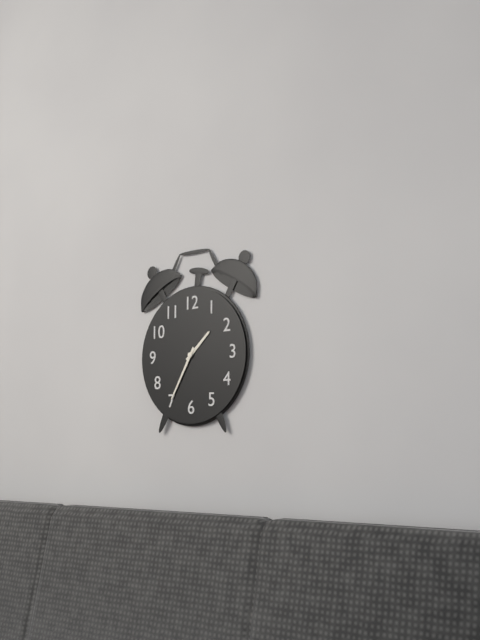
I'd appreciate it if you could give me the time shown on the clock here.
1:35
